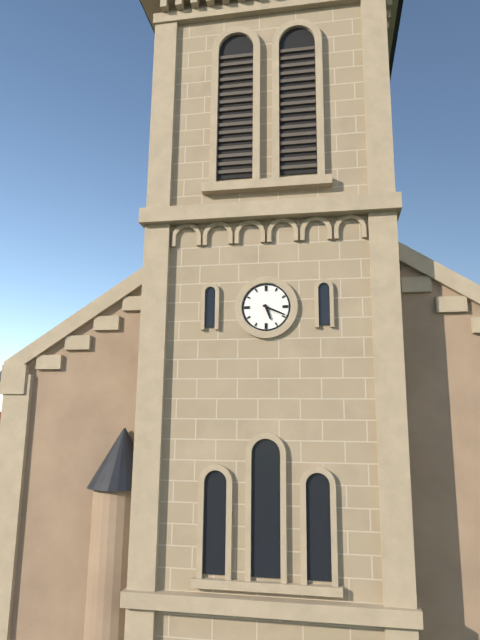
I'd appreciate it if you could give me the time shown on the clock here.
5:19
